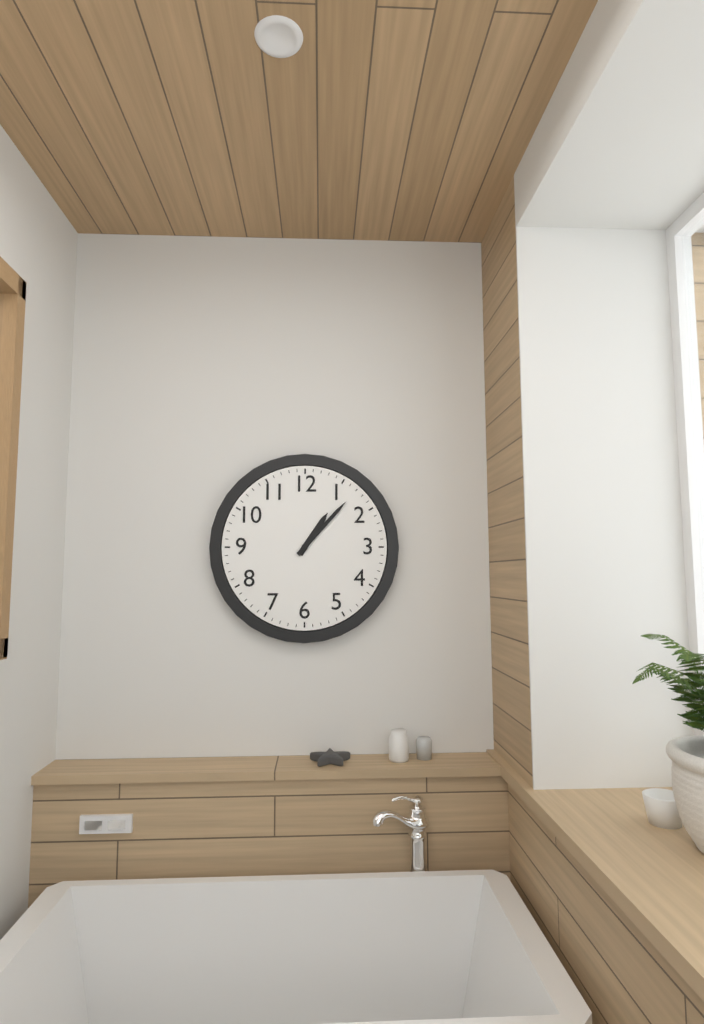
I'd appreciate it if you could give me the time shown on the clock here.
1:07
